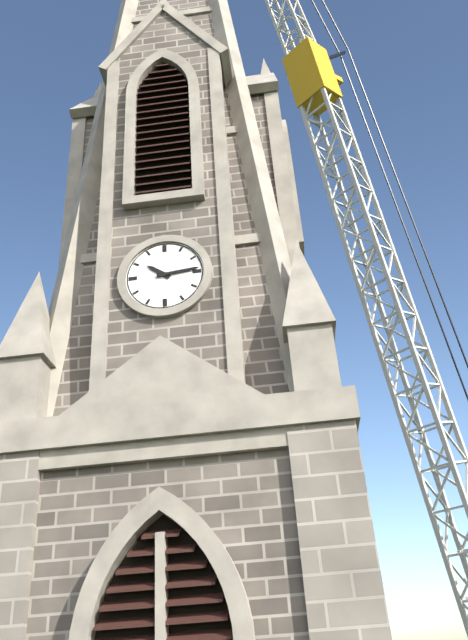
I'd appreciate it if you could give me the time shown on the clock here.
10:14
